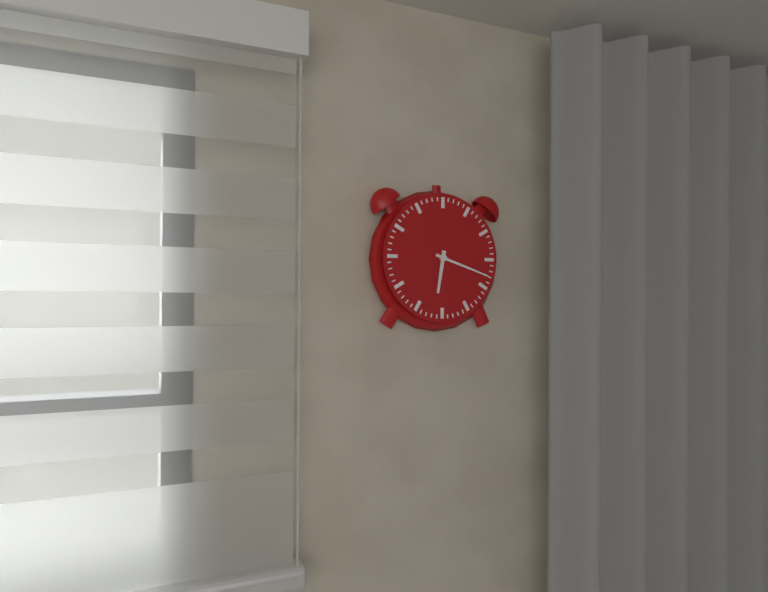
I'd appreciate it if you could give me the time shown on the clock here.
6:18
